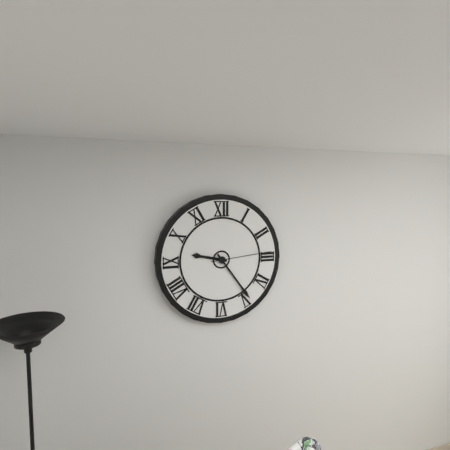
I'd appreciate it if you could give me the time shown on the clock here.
9:24:14
